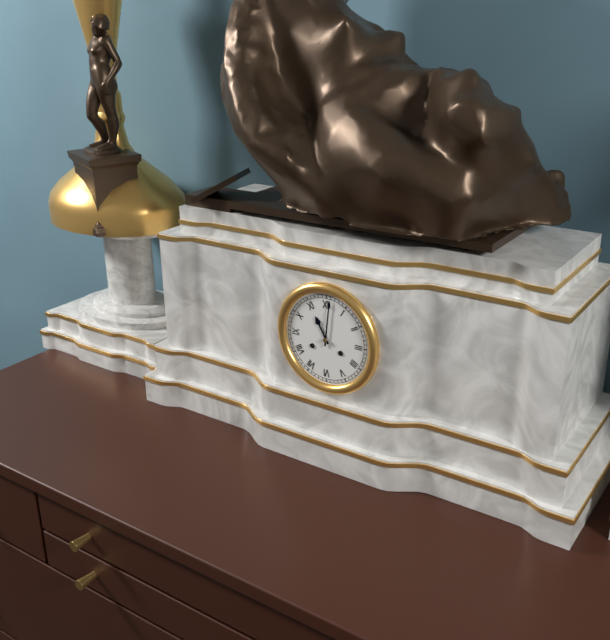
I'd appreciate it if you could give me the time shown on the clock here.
11:01
